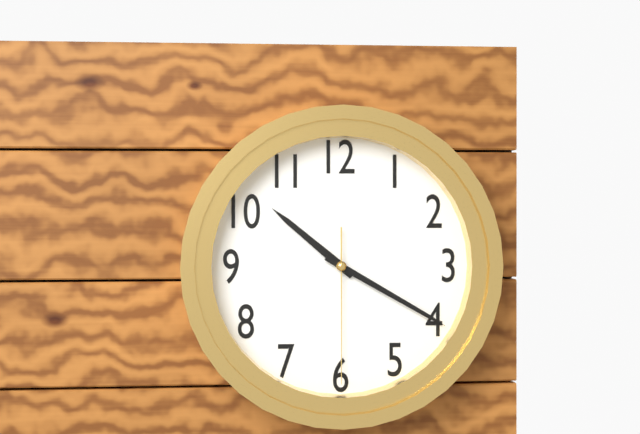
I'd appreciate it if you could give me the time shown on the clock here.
10:20:30
